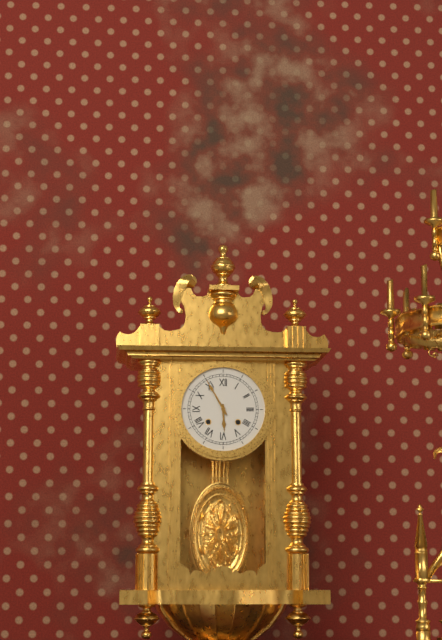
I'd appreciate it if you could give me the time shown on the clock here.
5:55
